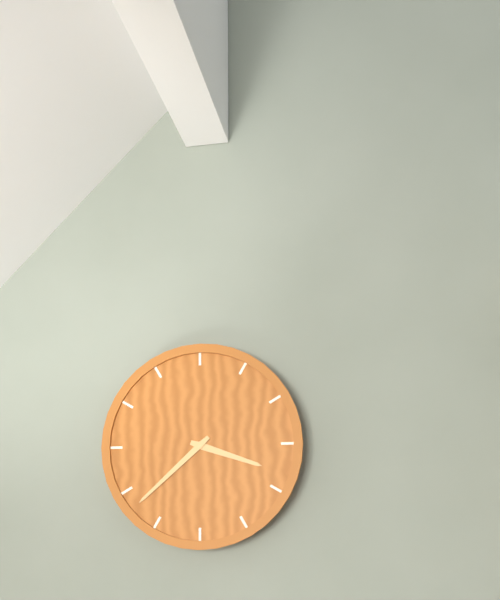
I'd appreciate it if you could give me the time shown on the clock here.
3:38
